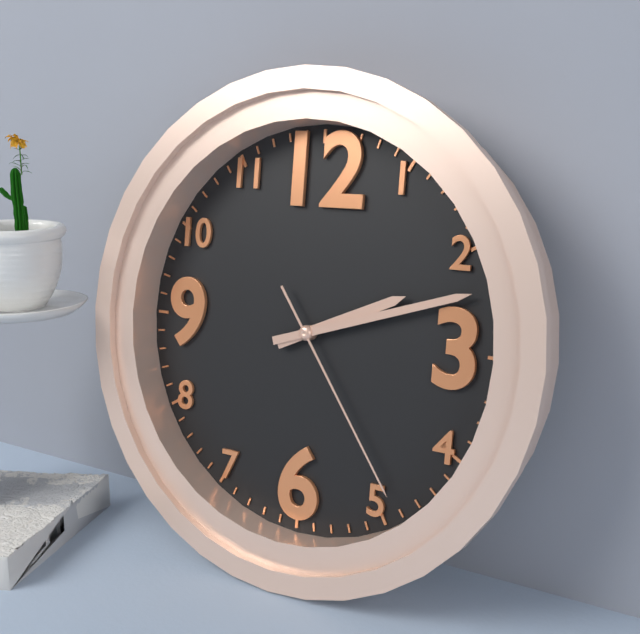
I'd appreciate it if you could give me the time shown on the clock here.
2:12:24
